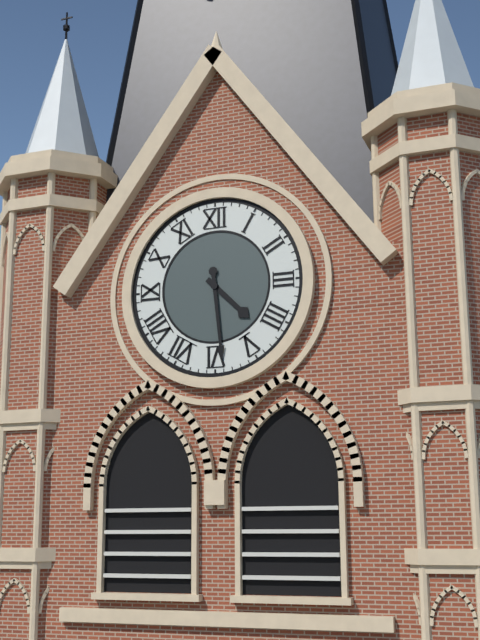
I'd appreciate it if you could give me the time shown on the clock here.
4:29
